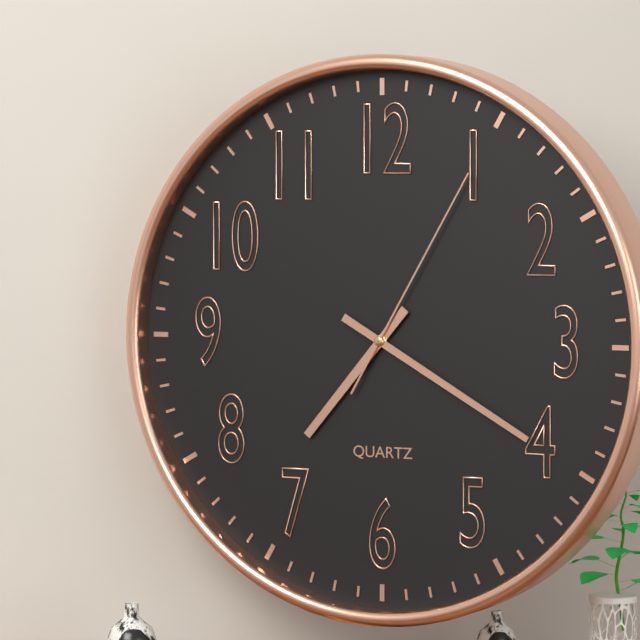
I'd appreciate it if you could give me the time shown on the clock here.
7:20:05
